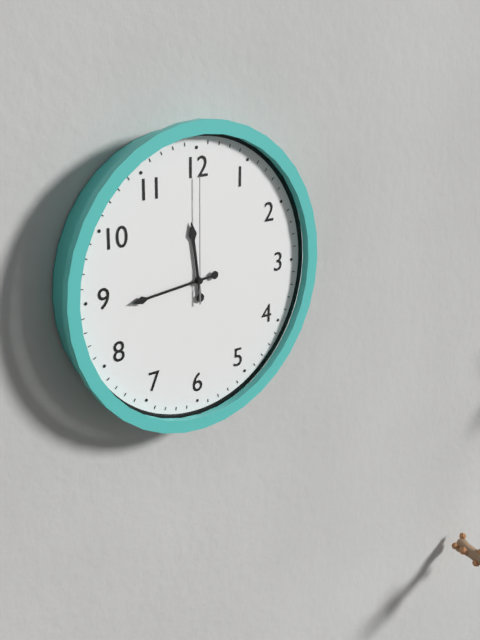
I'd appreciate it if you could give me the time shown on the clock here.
11:44:00
